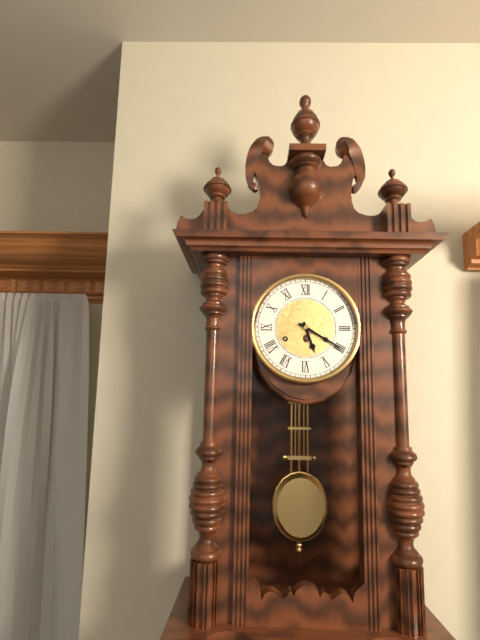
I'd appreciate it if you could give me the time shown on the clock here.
5:20
